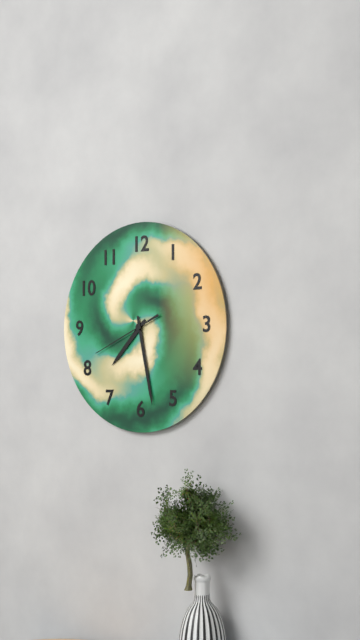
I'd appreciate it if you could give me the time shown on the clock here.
7:28:41
